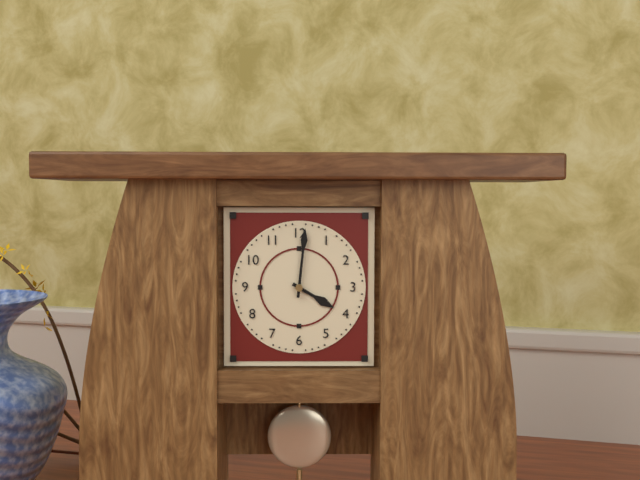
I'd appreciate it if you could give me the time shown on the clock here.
4:01
